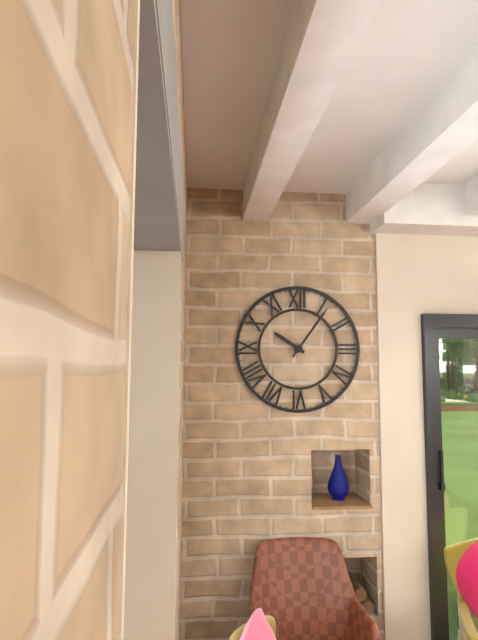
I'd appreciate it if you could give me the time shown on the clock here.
10:06
